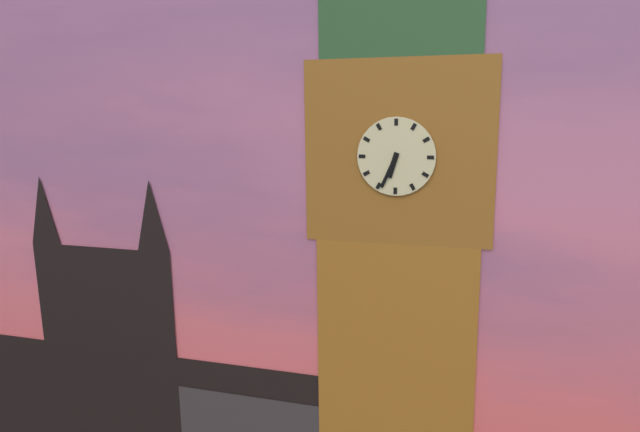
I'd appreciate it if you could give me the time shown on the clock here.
6:34
